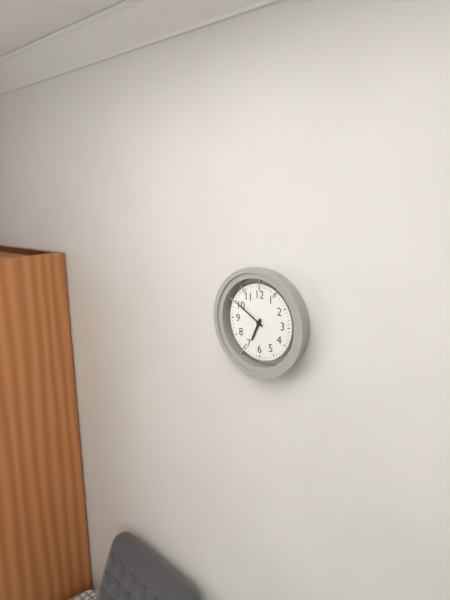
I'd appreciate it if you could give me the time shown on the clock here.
6:50
